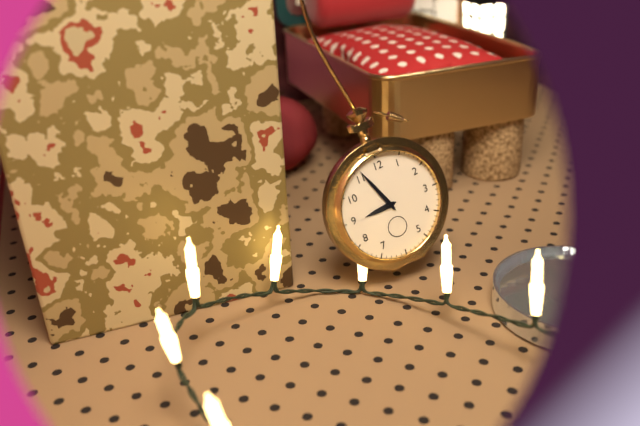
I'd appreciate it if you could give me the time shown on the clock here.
8:56
